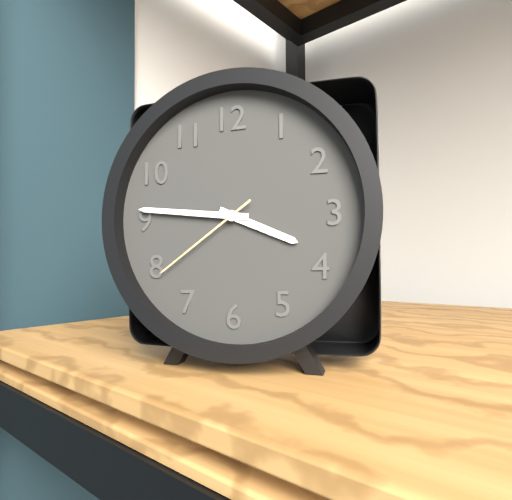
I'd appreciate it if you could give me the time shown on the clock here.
3:46:39
